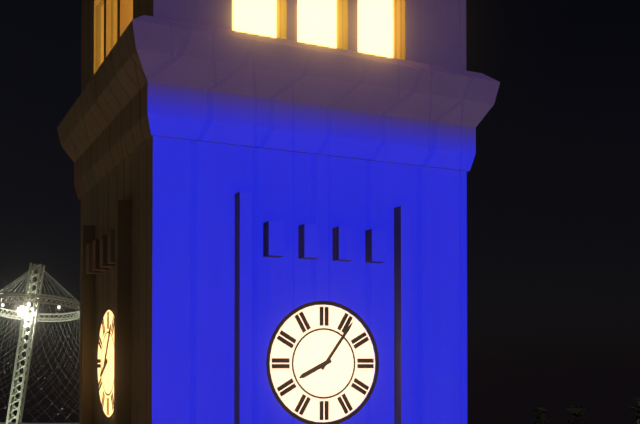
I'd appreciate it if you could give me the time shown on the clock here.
8:06
